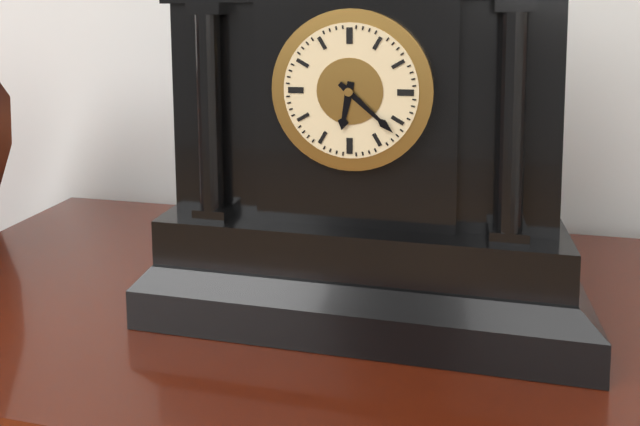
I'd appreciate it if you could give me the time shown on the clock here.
6:22
